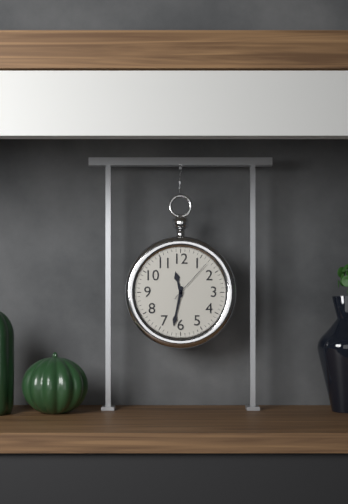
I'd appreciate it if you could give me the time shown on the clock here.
11:32
